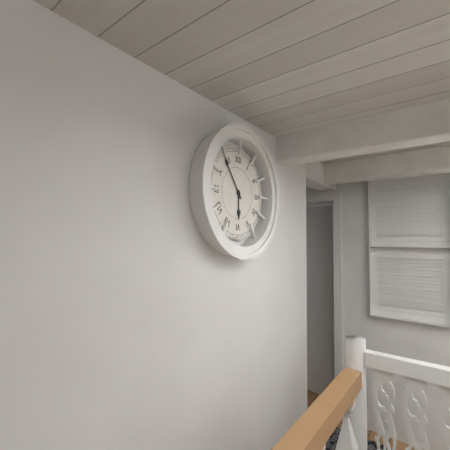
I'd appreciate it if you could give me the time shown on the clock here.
5:54
